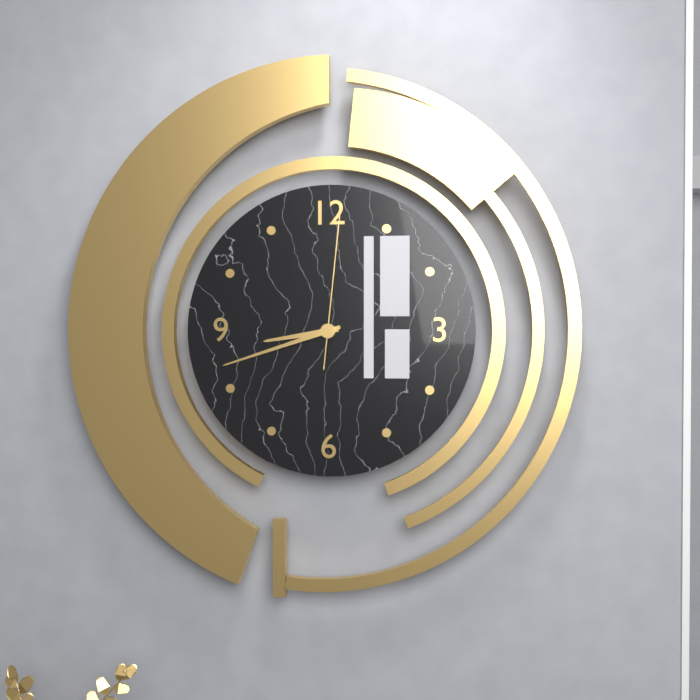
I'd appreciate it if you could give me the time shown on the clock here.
8:42:01
